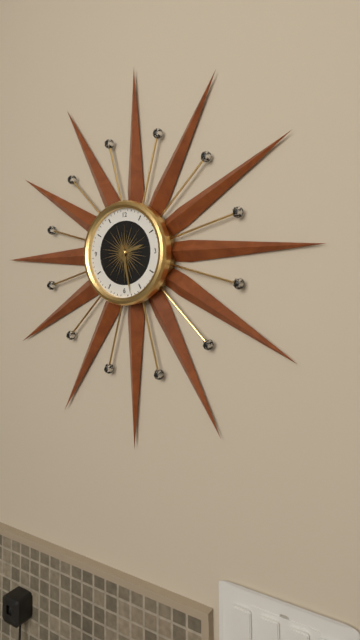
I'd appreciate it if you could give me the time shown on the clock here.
2:28
